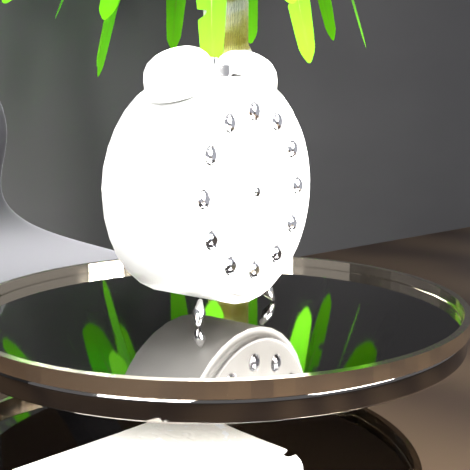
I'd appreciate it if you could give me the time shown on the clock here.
11:05:11
